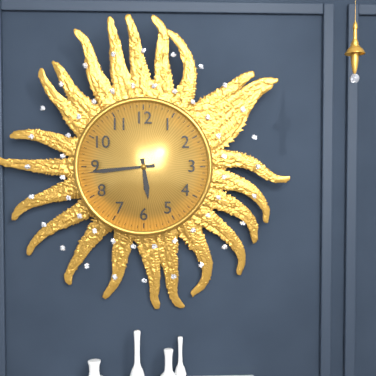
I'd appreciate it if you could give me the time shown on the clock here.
5:44
